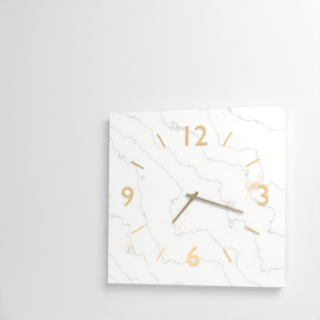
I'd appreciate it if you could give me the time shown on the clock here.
7:18
